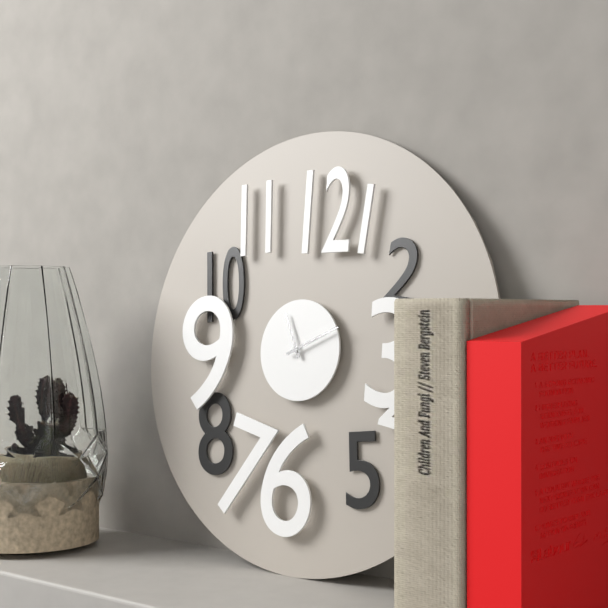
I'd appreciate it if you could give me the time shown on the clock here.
11:11
